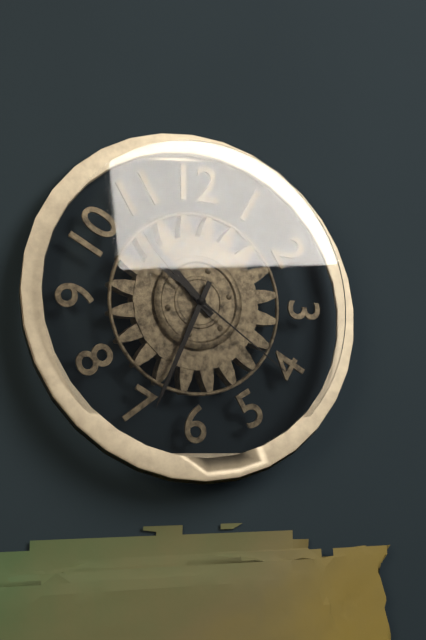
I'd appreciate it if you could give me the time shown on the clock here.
10:34:21
